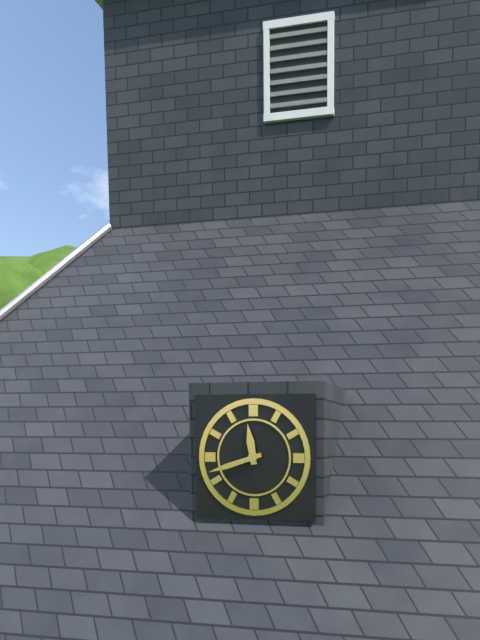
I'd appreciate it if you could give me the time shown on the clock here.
11:42
